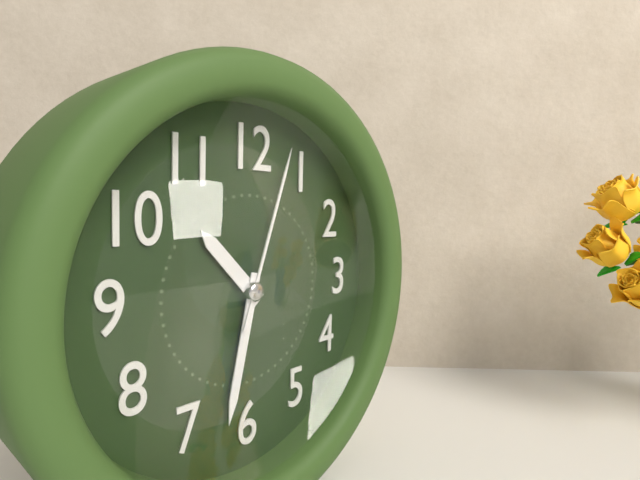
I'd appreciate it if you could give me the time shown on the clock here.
10:32:03
